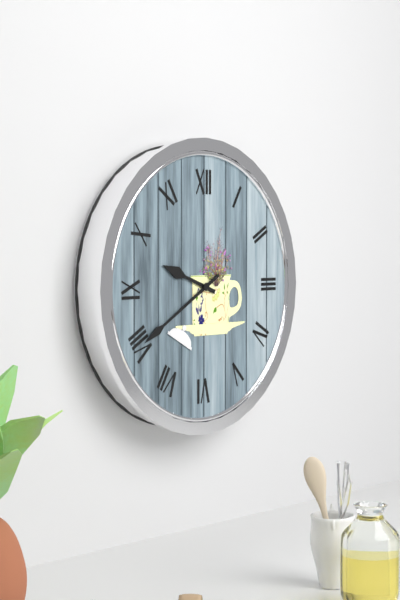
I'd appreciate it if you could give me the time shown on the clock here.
9:40
